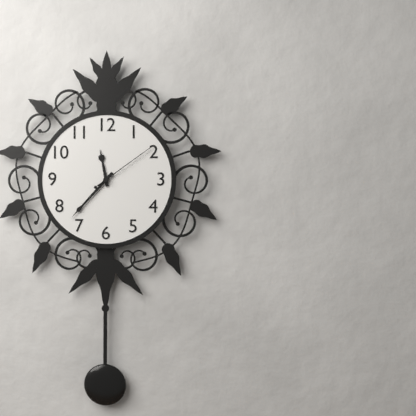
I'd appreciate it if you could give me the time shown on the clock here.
11:37:09
